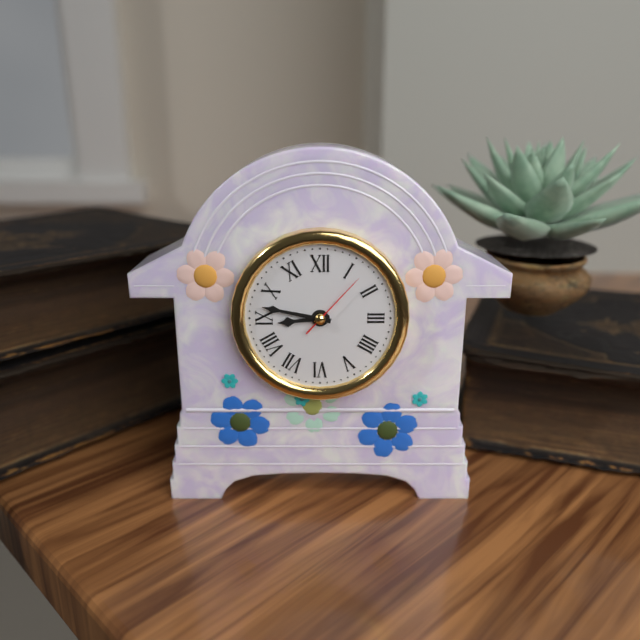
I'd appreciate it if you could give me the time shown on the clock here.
8:47:07
